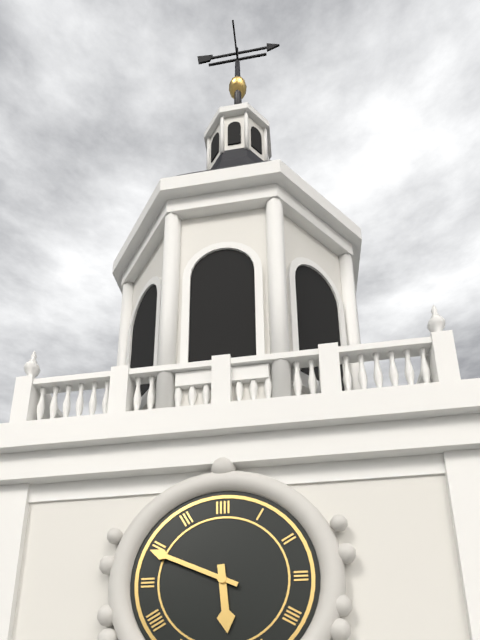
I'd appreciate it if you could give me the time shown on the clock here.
5:49
